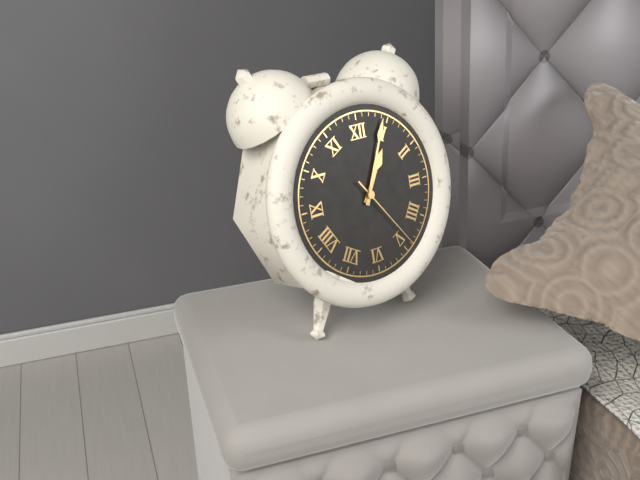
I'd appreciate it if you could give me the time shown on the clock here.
1:04:24
